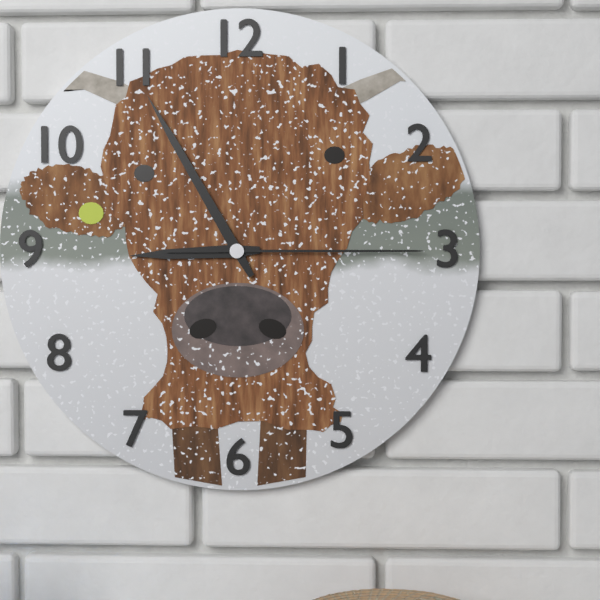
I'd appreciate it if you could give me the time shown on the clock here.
8:55:15
